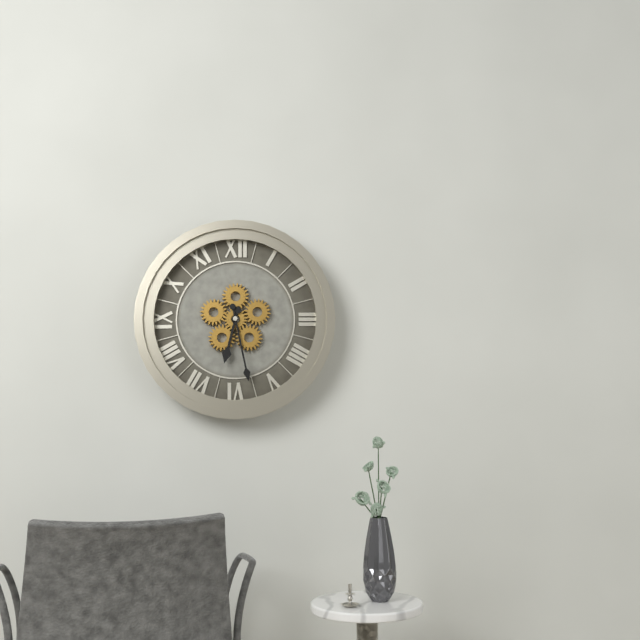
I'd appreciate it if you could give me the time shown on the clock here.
6:28
